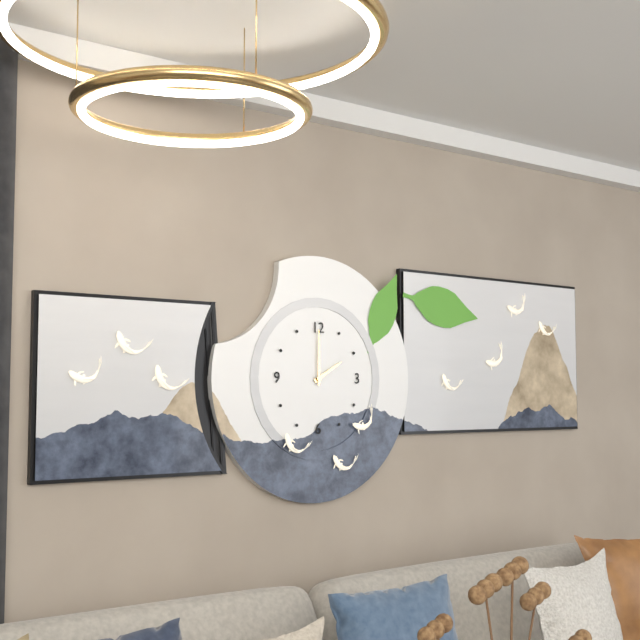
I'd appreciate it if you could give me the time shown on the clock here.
2:00
